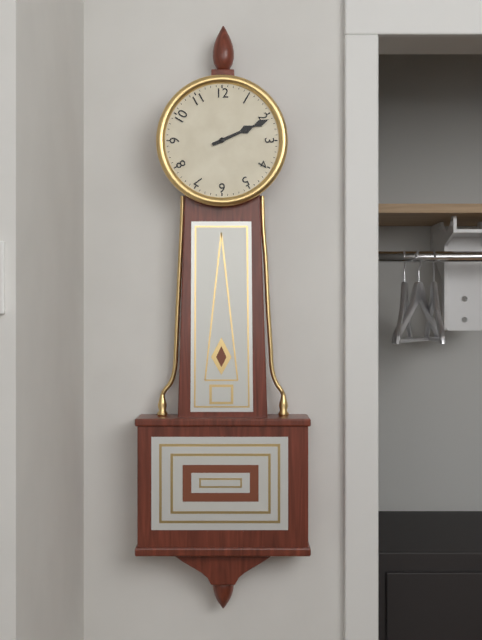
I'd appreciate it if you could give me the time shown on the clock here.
2:11
